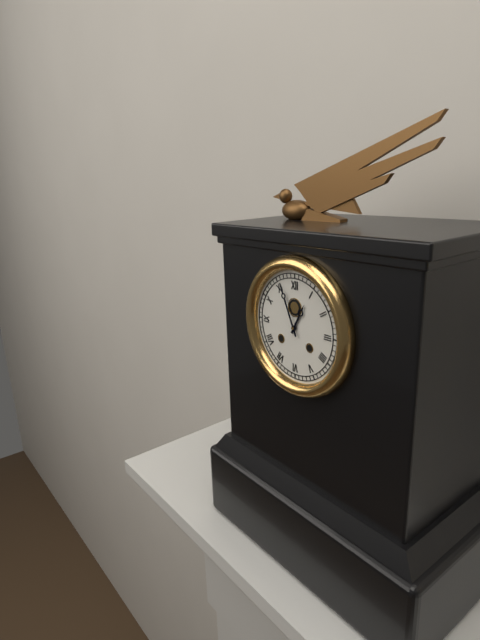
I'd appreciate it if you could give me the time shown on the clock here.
12:56
